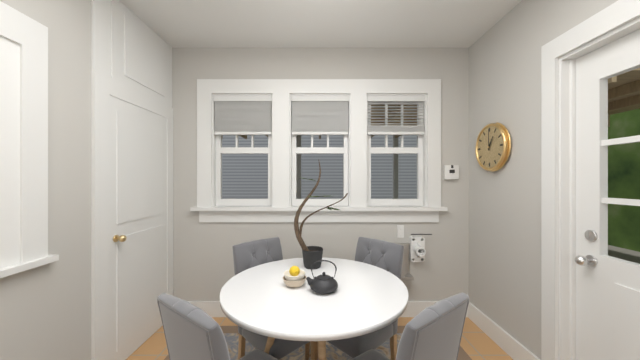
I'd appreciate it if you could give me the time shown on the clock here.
1:00
